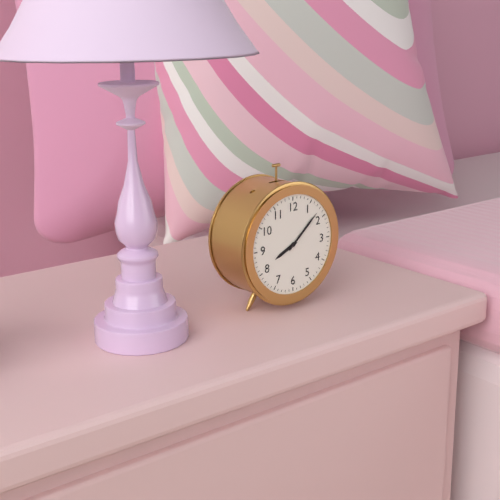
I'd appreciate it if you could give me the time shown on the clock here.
8:08
